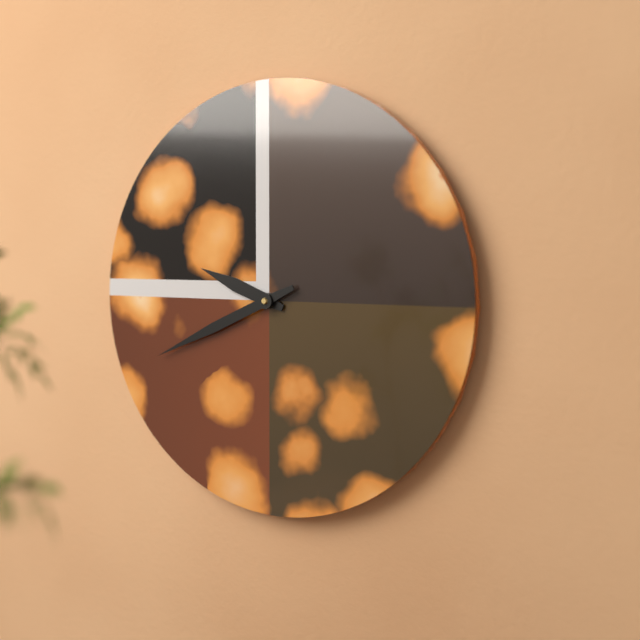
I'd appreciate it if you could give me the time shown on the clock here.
9:41
